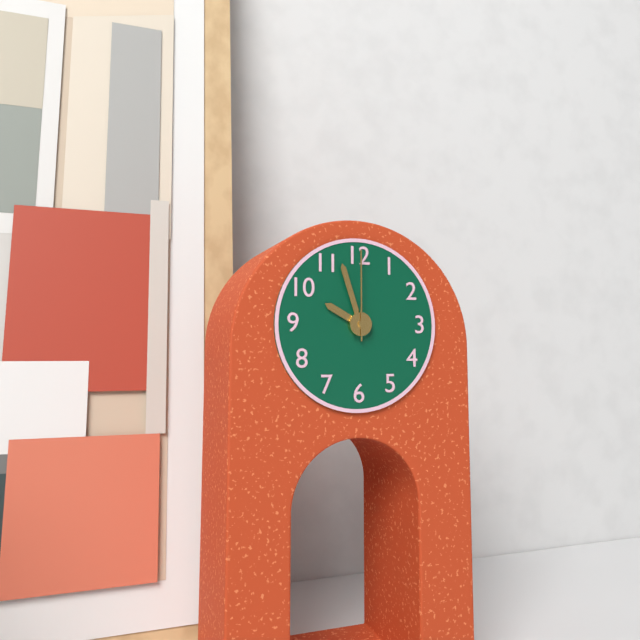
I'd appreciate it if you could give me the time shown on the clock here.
9:57:00
